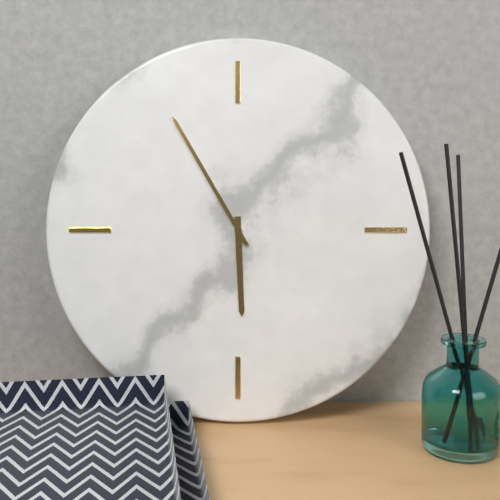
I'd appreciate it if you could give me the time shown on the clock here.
5:55
